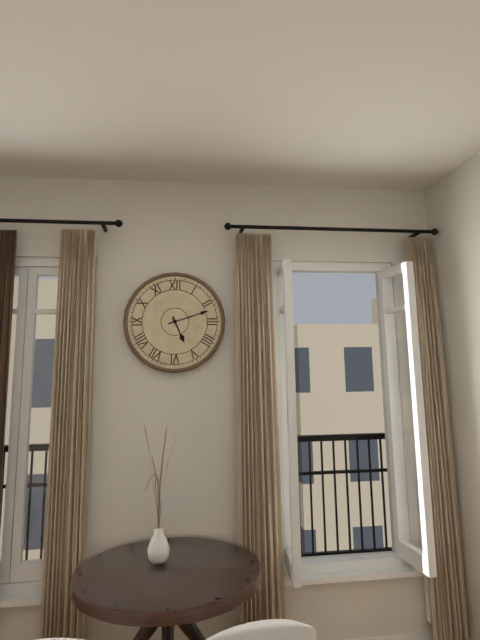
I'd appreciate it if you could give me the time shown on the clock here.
5:12
